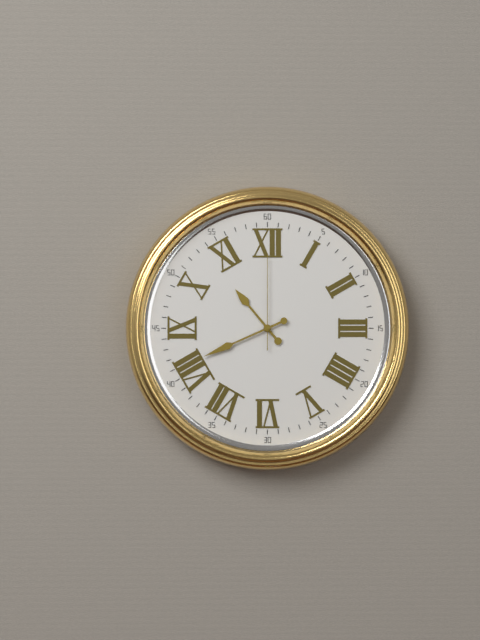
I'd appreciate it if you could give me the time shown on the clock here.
10:41:00
